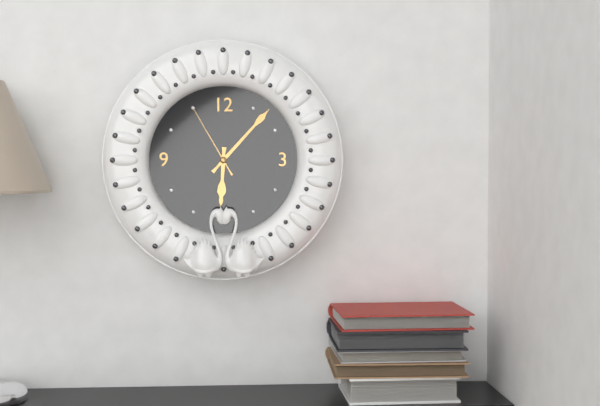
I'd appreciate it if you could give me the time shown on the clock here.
6:07:55
